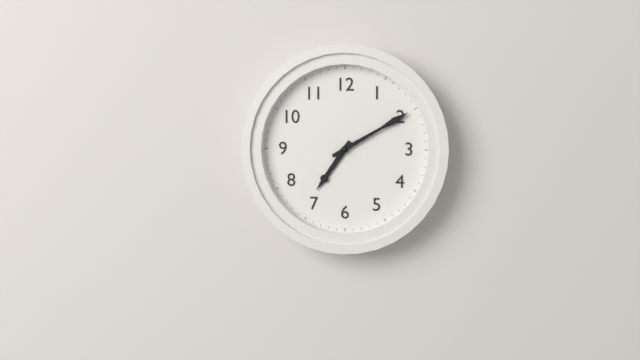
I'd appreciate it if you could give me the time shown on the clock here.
7:10
